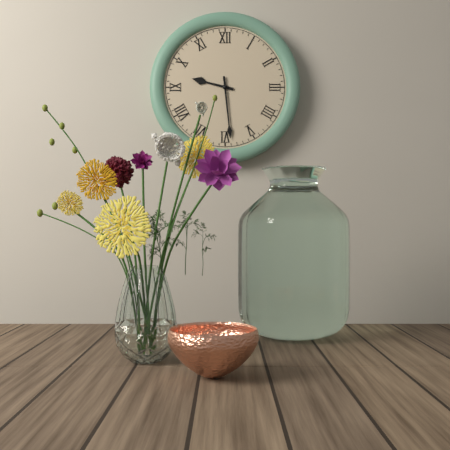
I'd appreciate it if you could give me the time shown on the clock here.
9:29
